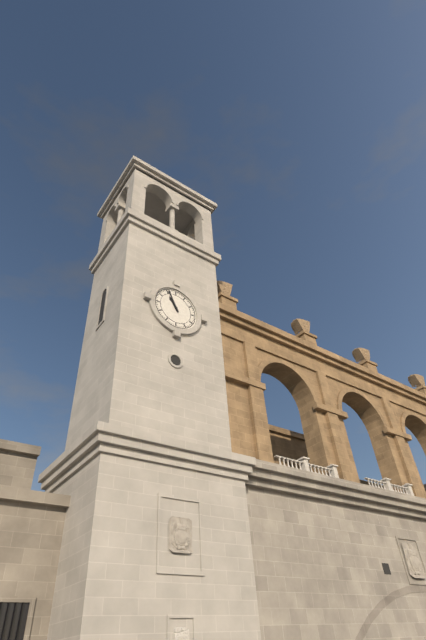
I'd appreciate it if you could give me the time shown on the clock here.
10:56
